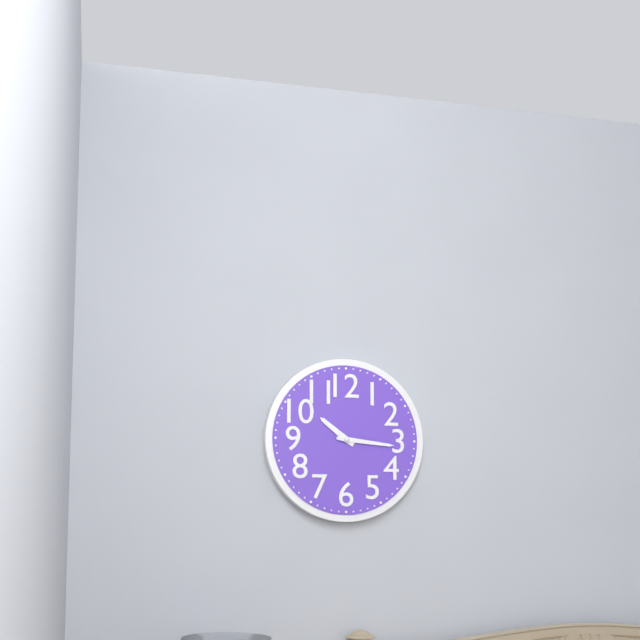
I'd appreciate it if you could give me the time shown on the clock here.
10:16
